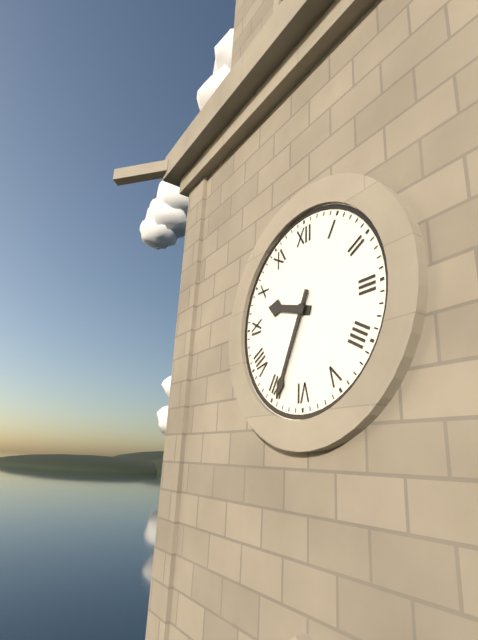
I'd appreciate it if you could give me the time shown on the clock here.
9:34
